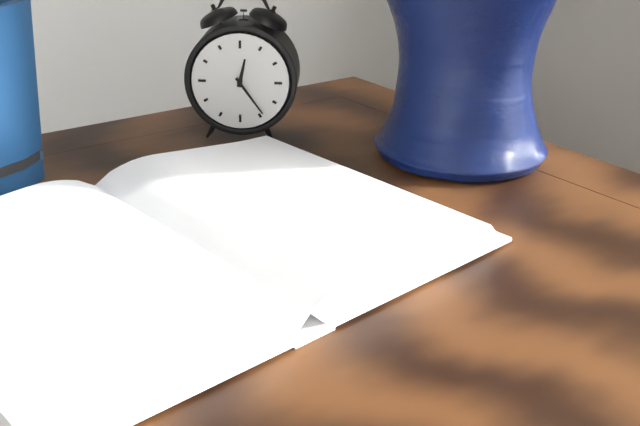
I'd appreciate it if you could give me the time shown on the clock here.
12:24
